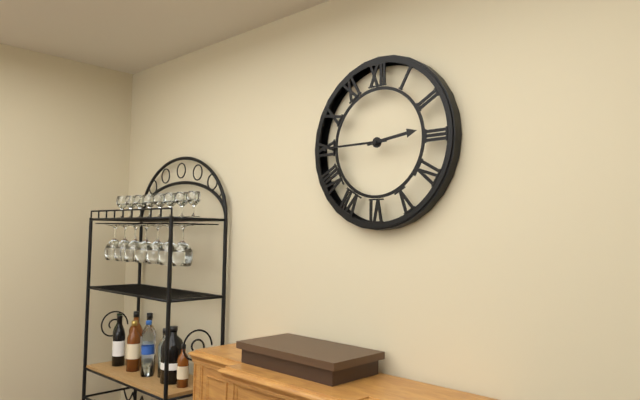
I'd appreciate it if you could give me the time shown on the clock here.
2:45
